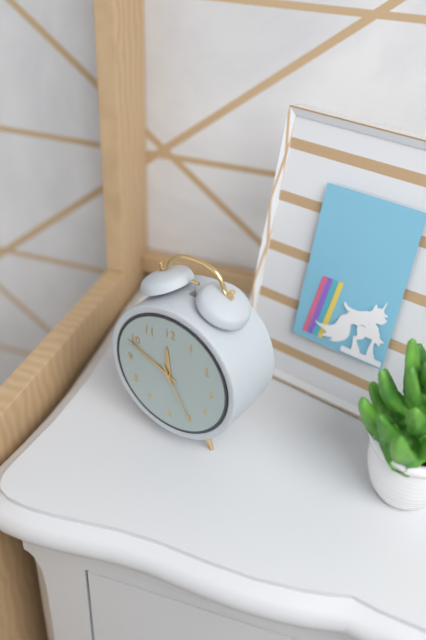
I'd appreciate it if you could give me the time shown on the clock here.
11:49:25
